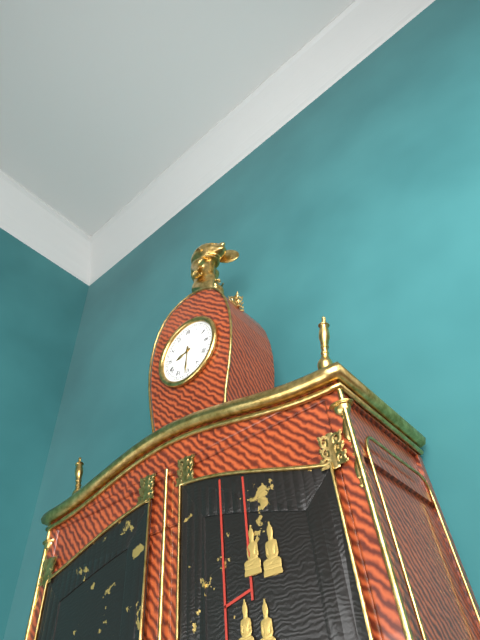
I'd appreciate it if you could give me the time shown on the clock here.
8:31
